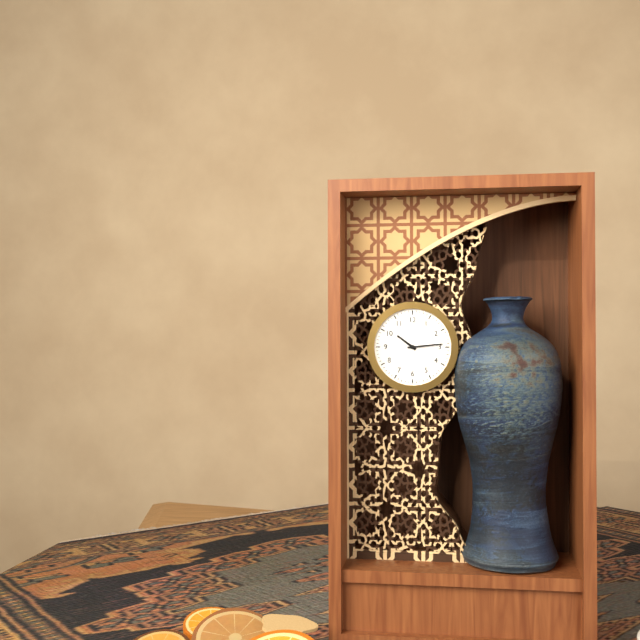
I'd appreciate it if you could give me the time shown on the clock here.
10:14
